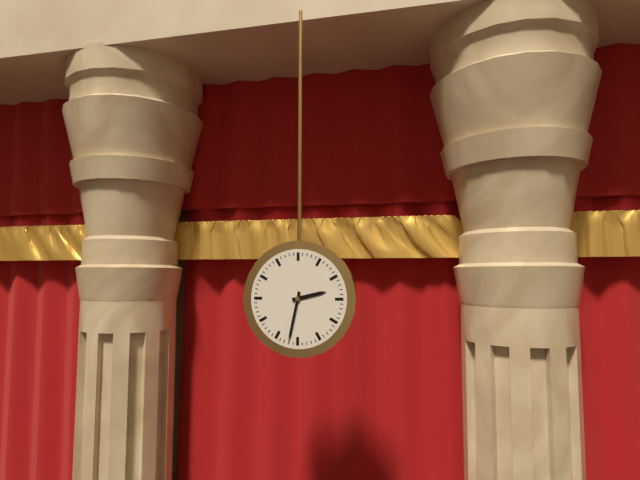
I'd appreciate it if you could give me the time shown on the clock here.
2:32
